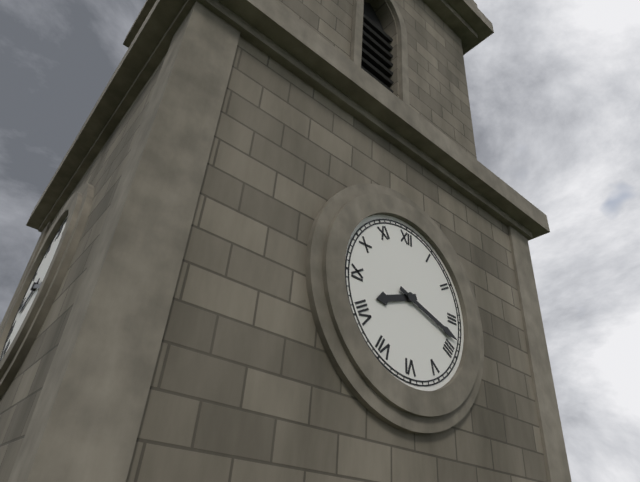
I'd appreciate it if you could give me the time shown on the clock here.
8:18
